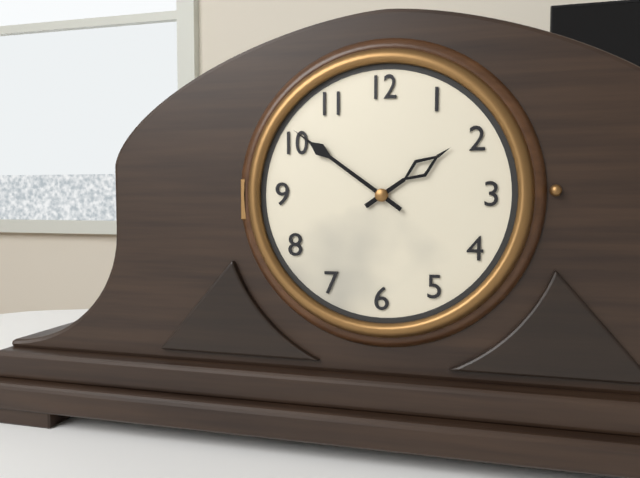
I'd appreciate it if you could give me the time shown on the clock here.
1:51
